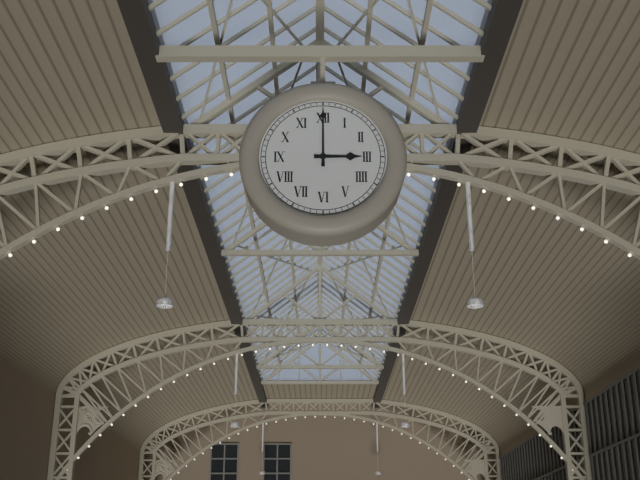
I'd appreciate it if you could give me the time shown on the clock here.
3:00
